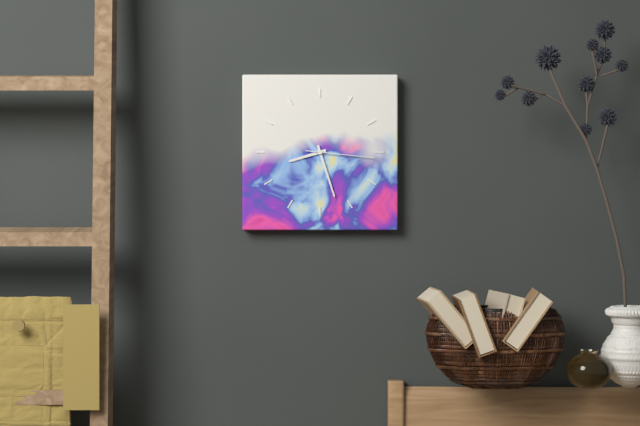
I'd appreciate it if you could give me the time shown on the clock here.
8:27:16
